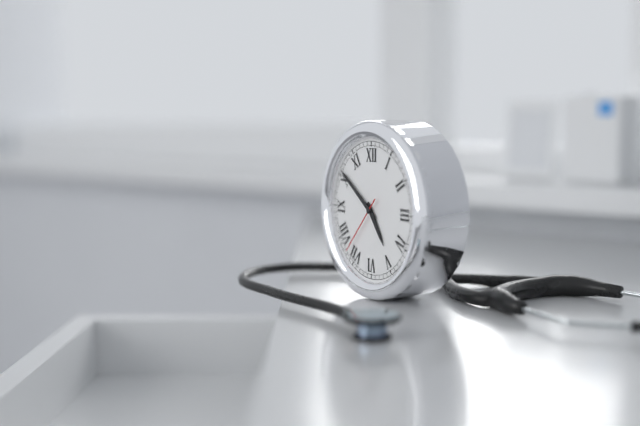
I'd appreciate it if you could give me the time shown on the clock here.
4:51:37
